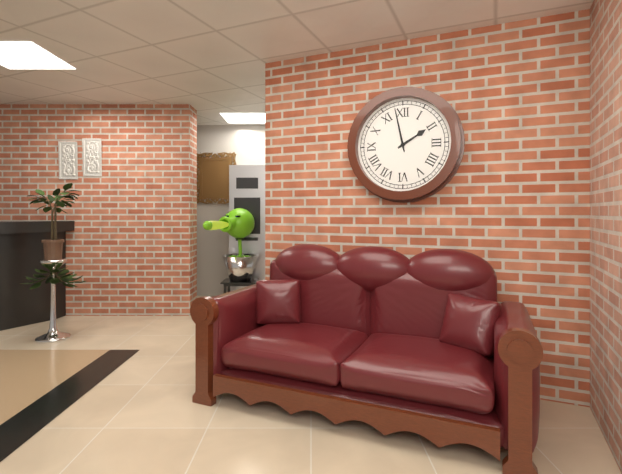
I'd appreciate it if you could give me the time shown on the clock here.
1:58
